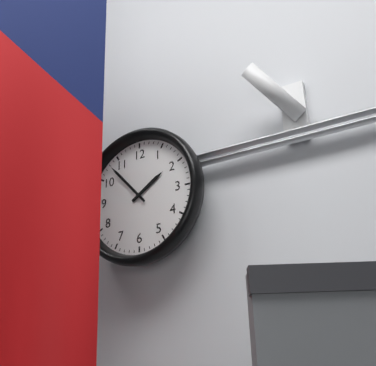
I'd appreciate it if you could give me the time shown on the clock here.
1:53
